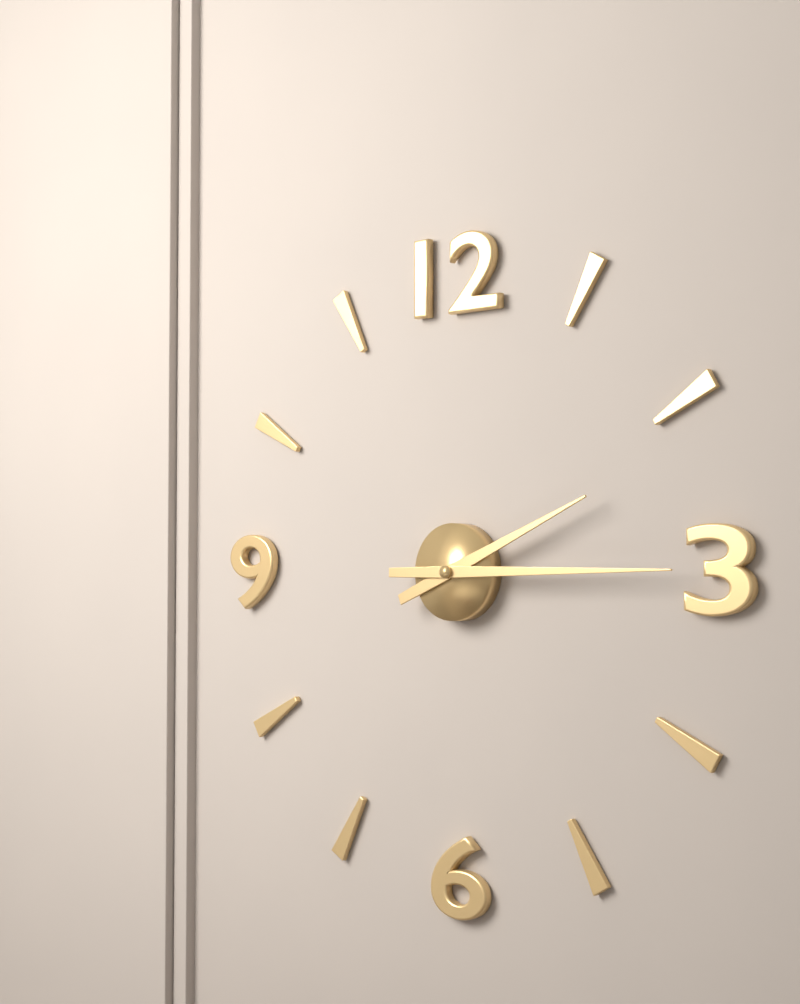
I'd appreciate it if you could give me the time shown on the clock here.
2:15
